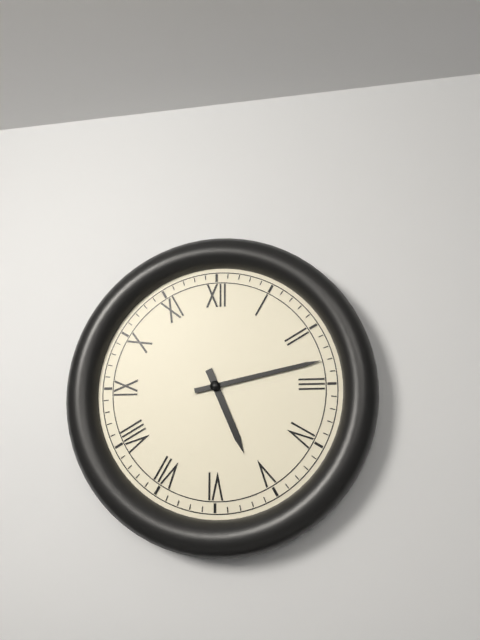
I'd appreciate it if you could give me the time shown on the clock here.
5:13
